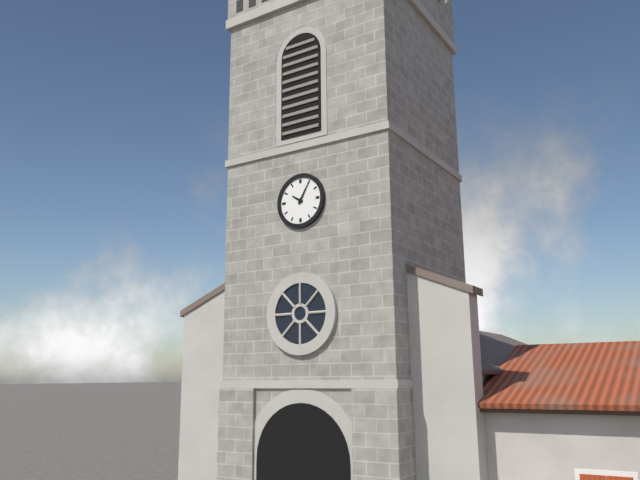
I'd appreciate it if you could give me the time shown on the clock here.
10:05
